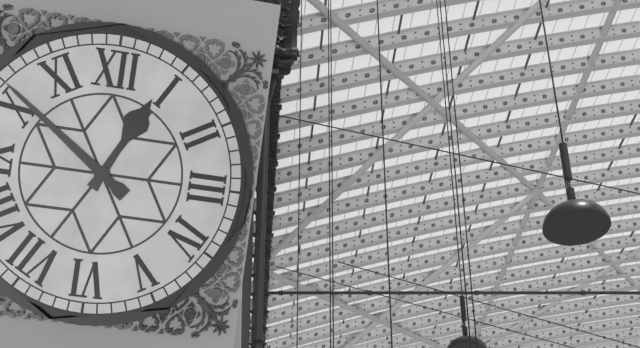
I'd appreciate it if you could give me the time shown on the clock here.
12:51
